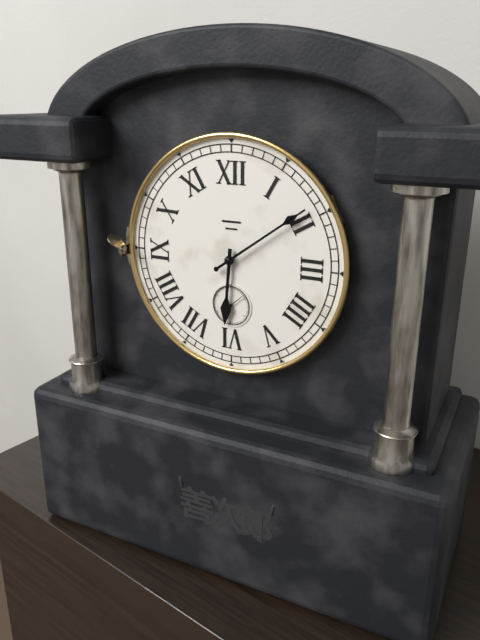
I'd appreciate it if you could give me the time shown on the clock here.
6:09
